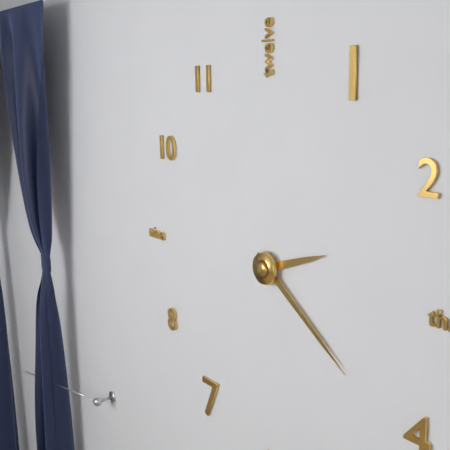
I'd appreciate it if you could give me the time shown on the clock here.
2:21
